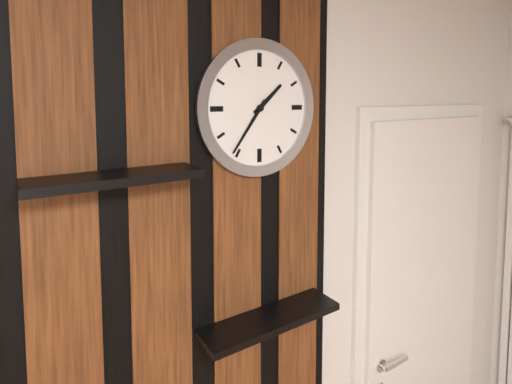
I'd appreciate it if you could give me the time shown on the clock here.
1:36
